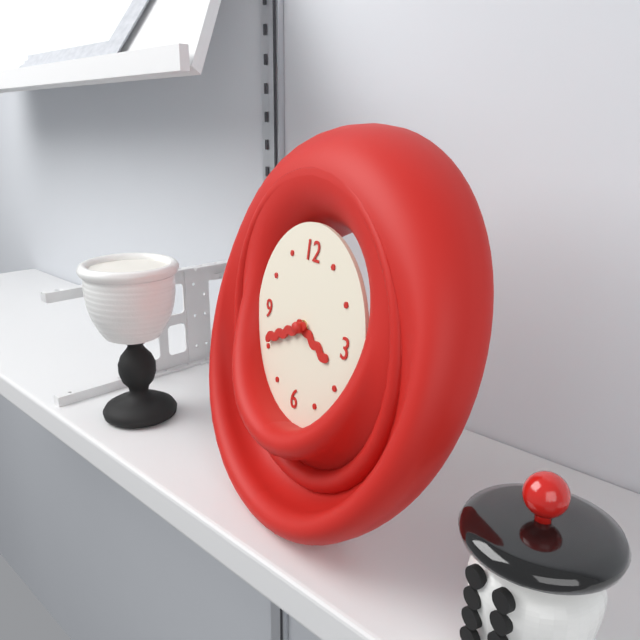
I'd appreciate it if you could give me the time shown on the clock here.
3:41
